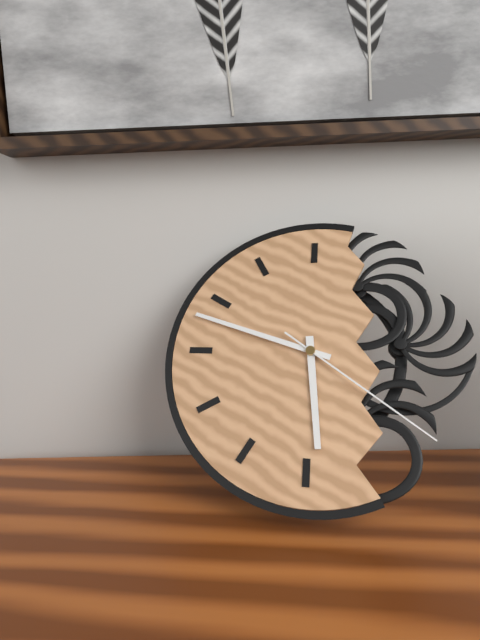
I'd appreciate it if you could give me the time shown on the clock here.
5:48:21
